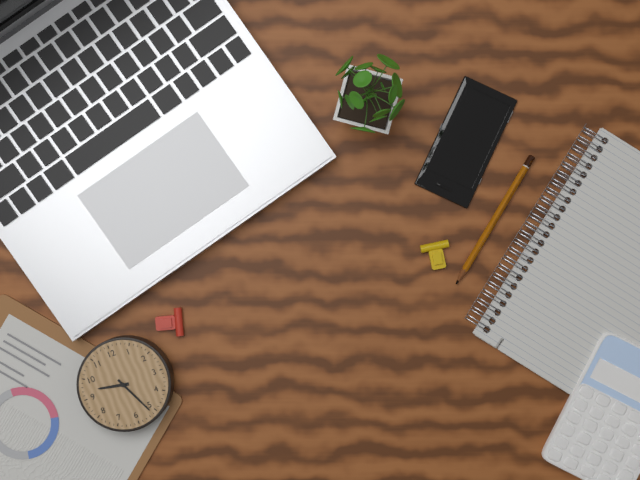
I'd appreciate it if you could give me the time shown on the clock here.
9:26
